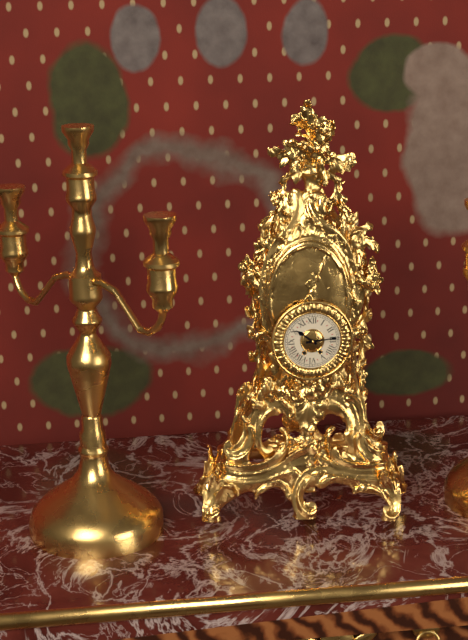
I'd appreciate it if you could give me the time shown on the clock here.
10:14
